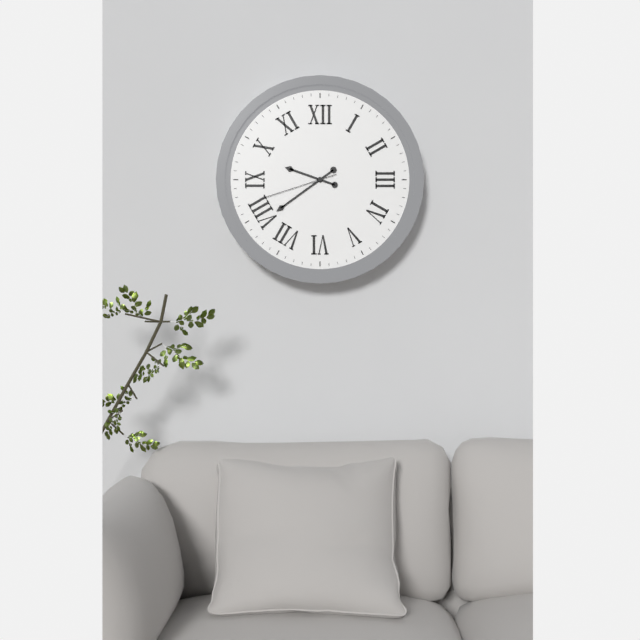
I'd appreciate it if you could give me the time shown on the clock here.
9:39:42
